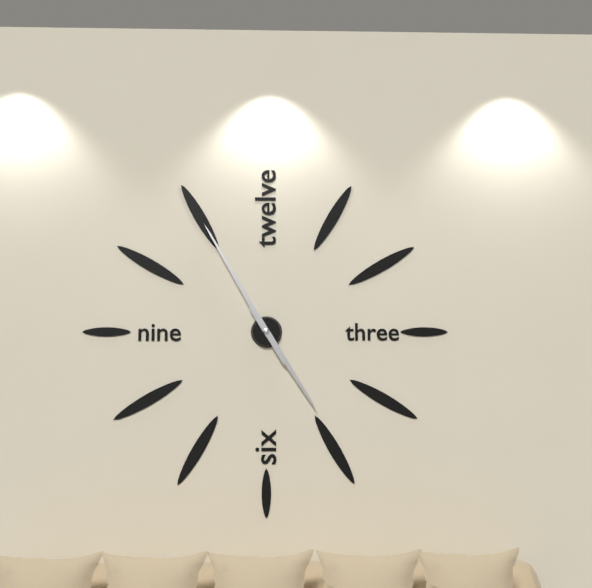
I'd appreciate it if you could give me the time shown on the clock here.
4:55
